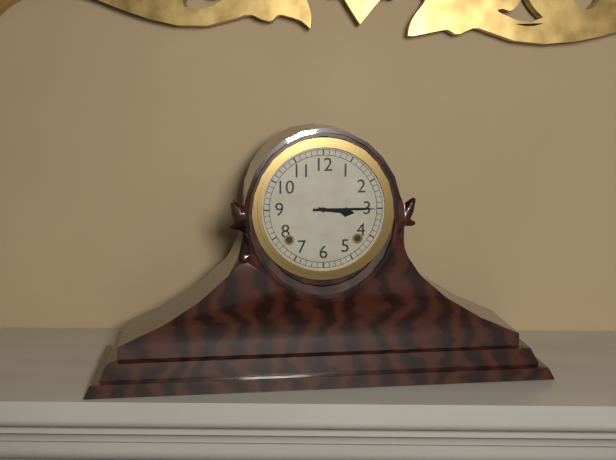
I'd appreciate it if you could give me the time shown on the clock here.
3:15
